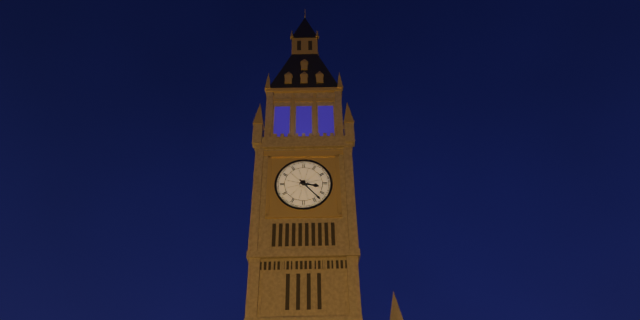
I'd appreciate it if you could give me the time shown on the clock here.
3:23
